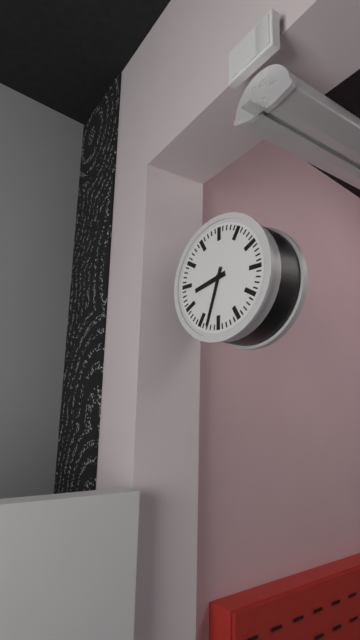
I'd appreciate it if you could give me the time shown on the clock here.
8:33
